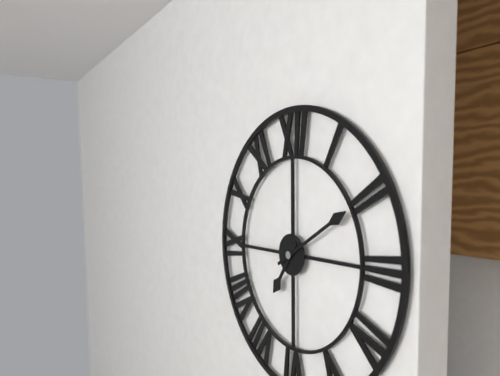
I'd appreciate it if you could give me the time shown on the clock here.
7:10
